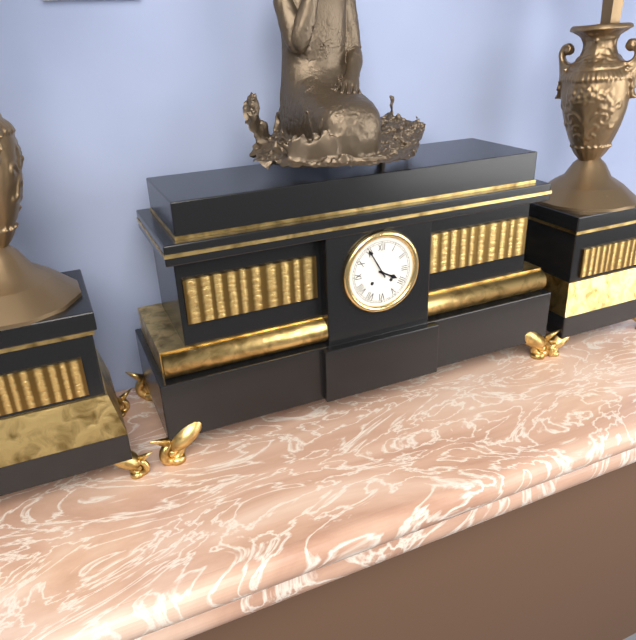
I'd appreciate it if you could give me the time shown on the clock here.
3:55
